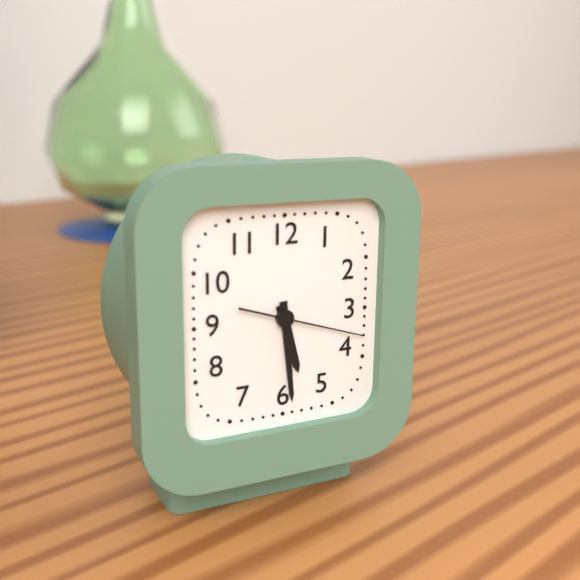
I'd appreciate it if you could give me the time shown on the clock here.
5:29:18
